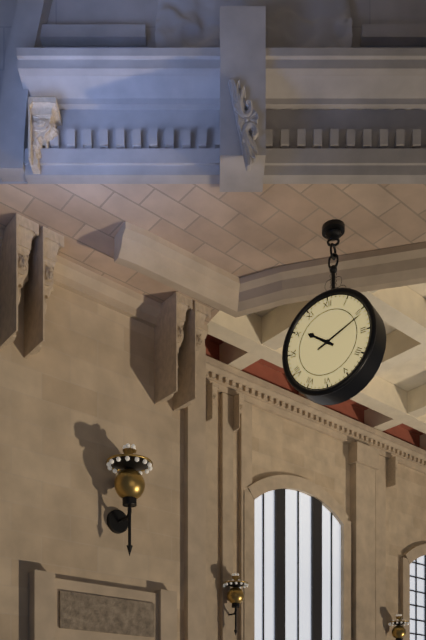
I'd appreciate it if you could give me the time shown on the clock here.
10:11
